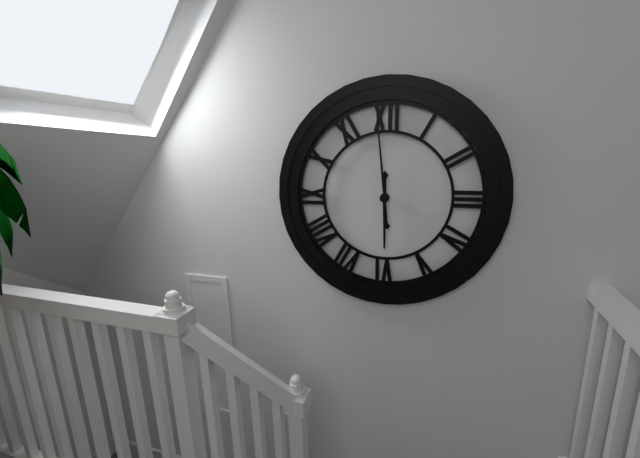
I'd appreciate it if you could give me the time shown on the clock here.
5:59
